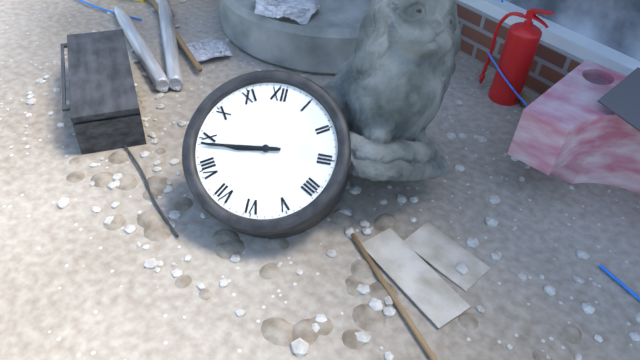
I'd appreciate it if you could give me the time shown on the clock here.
8:44
